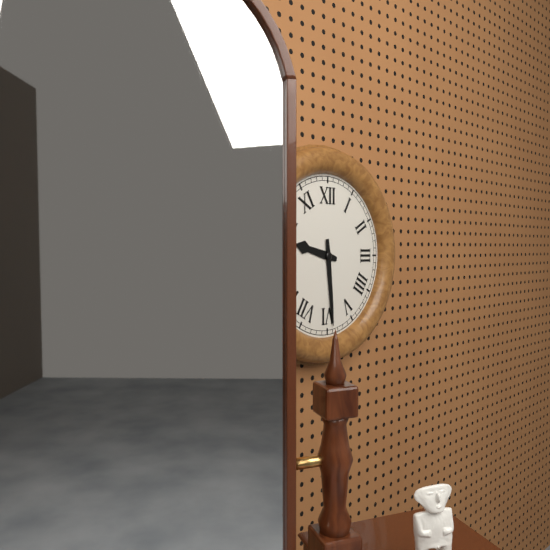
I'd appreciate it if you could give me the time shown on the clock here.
9:29
